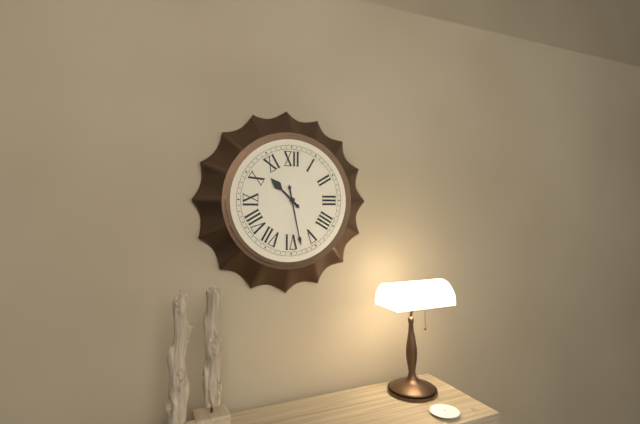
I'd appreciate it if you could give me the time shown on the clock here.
10:28
